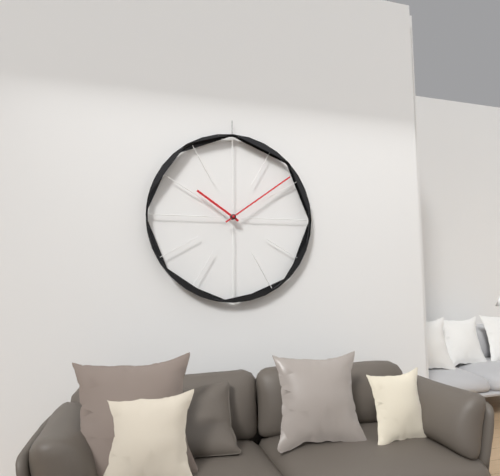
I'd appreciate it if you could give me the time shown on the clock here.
10:09
